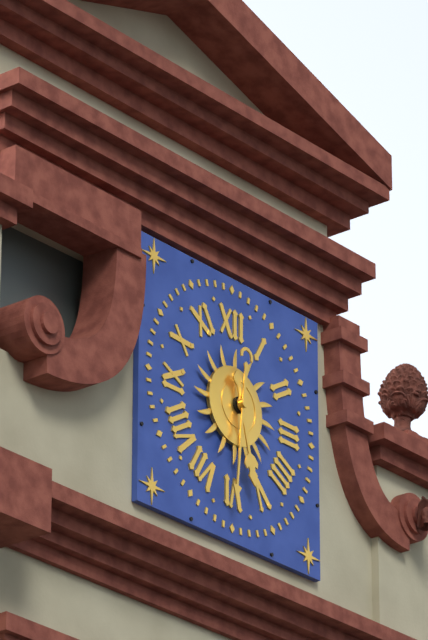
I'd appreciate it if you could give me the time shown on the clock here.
5:31
